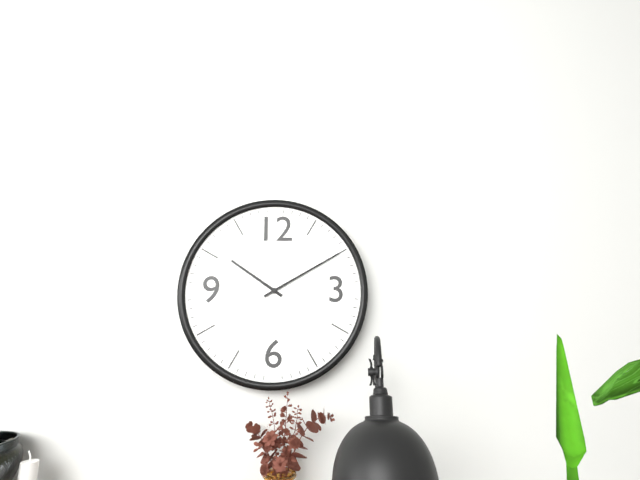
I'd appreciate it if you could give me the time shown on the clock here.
10:10
